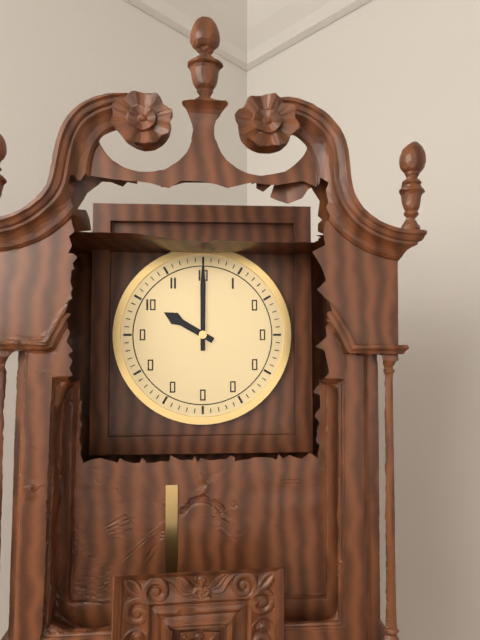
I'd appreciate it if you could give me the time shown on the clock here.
10:00
